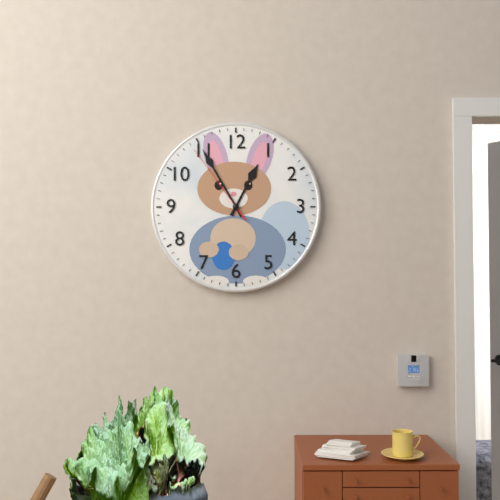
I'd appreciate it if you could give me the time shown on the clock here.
12:55:54
